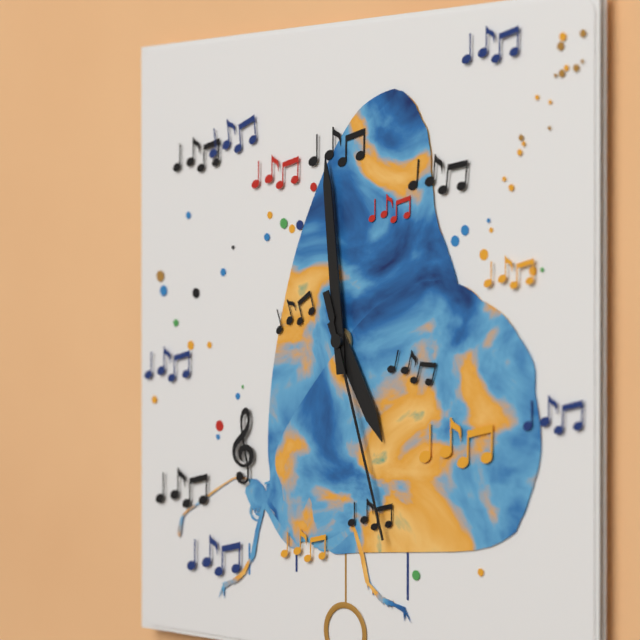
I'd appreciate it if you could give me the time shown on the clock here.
4:59:27
